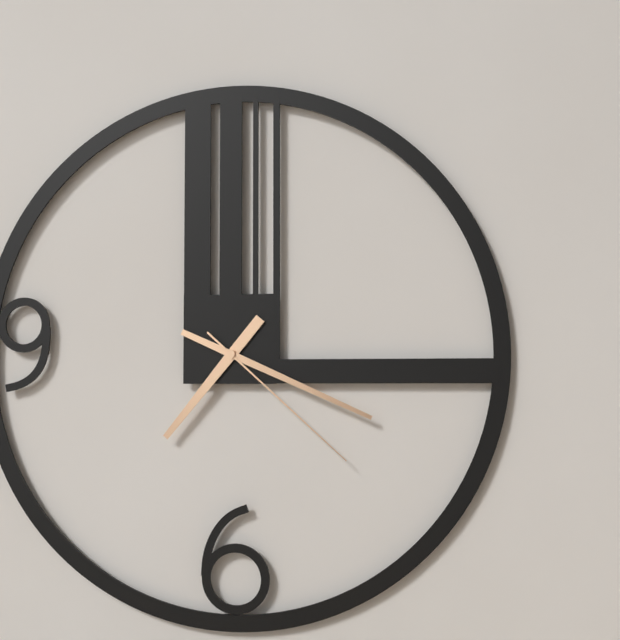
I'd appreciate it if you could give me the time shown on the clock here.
7:19:22
